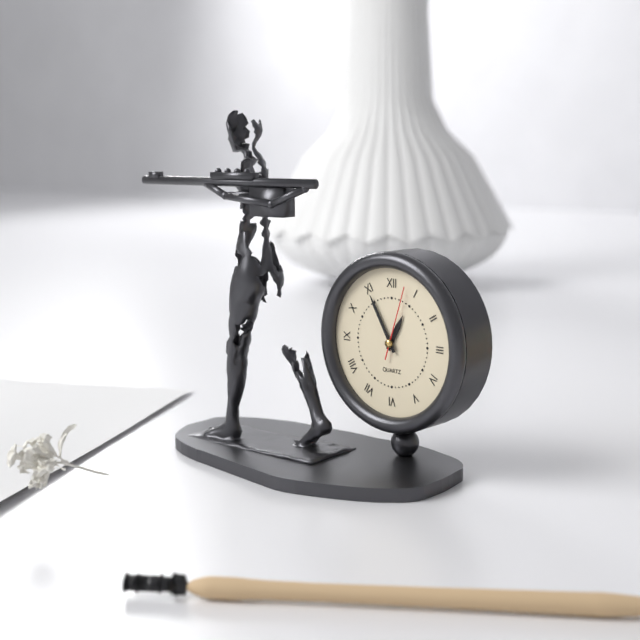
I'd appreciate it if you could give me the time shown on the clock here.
12:55:03
